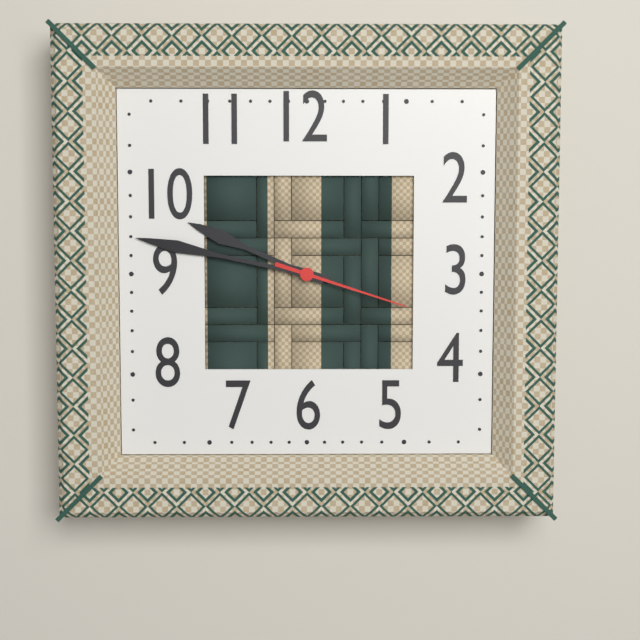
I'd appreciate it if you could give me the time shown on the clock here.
9:47:18
